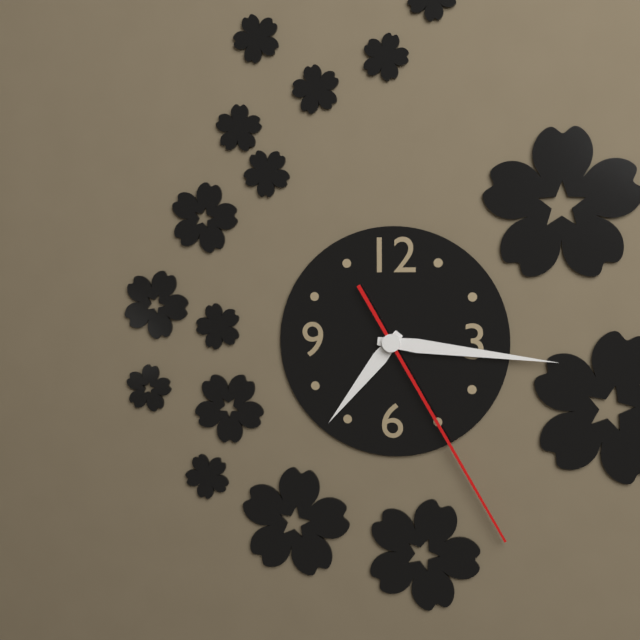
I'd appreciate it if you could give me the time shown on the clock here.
7:16:25
